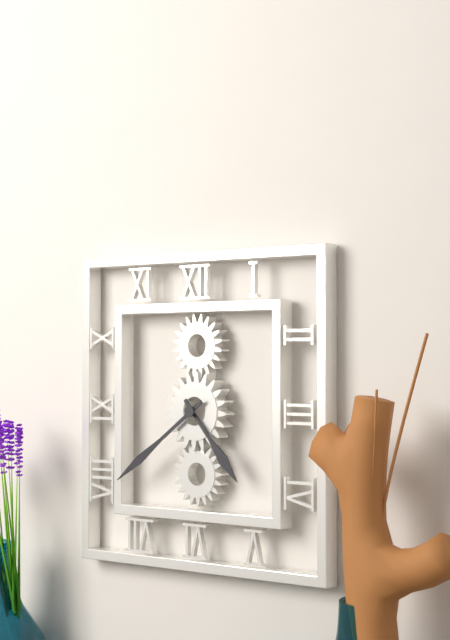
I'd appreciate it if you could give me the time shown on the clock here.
4:39
